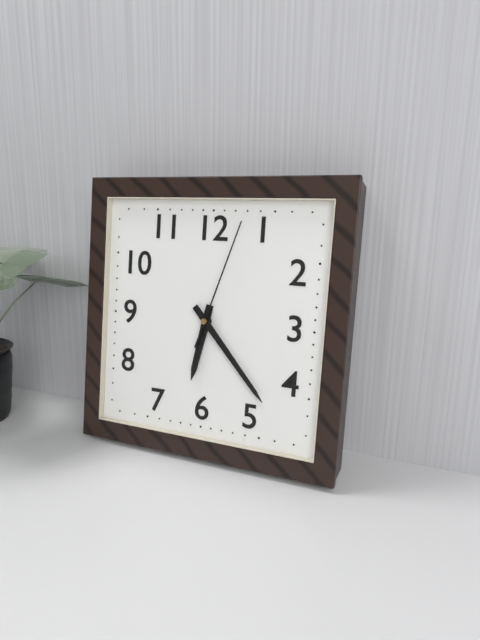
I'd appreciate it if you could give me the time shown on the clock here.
6:23:03
